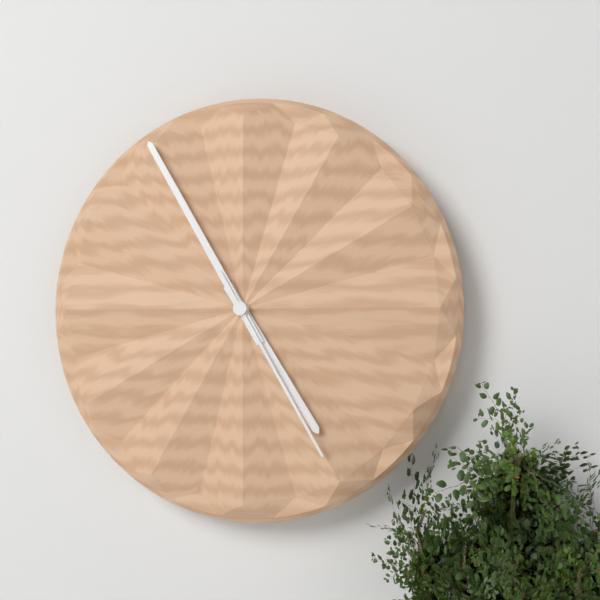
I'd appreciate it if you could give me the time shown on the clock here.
4:55:25
